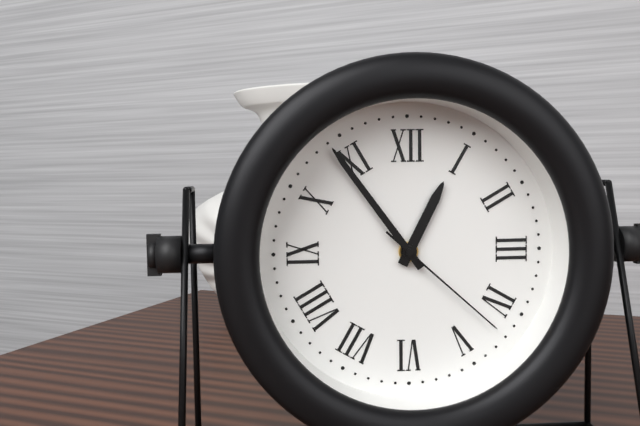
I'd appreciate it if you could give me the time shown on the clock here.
12:54:22
